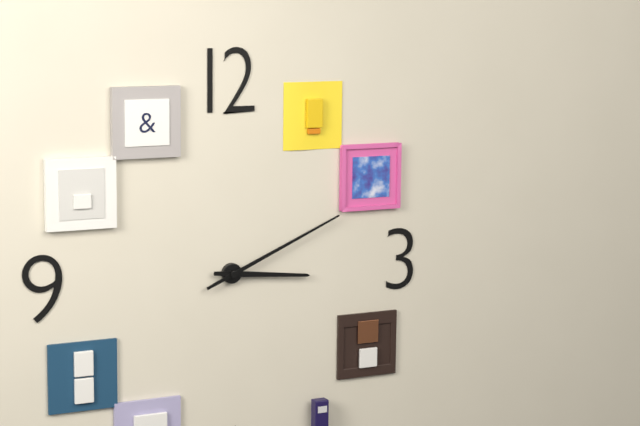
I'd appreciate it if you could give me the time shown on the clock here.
3:11
